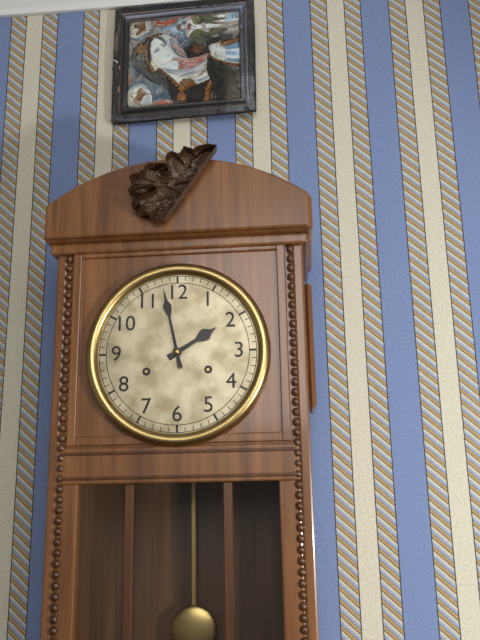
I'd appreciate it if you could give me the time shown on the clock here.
1:58
